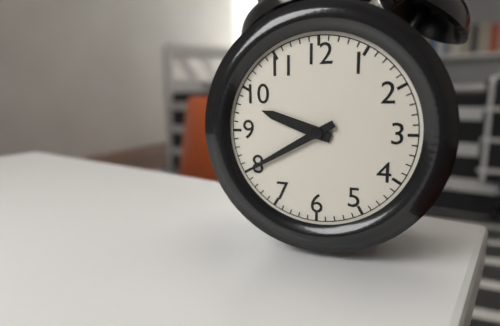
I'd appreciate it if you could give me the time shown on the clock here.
9:40
